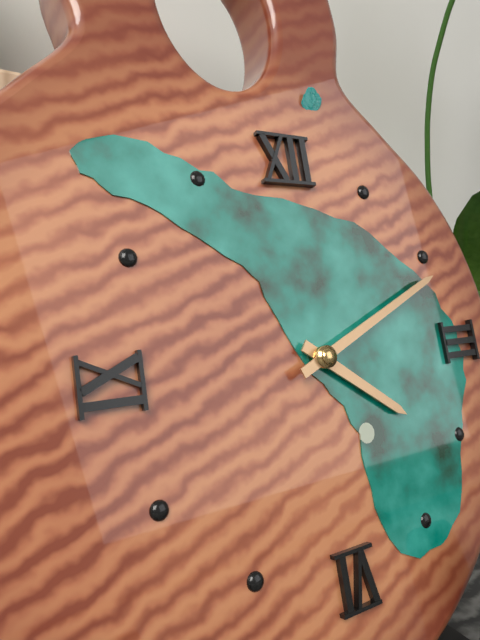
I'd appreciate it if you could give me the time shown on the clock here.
4:11
